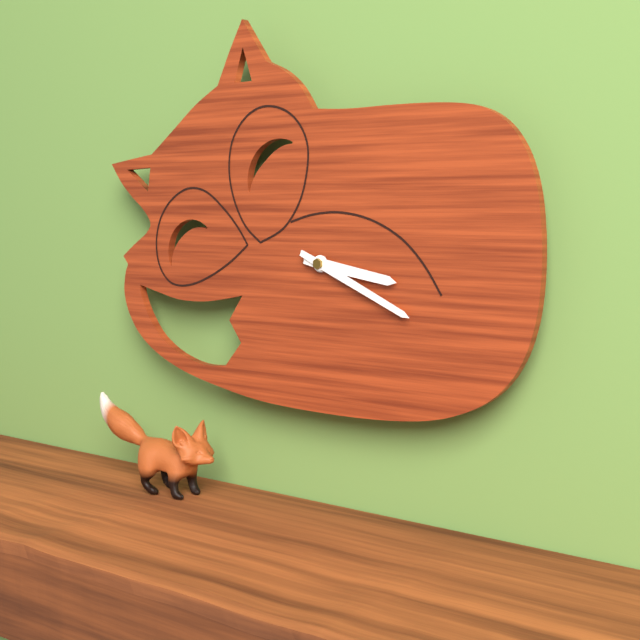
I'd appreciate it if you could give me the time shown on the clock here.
3:19
